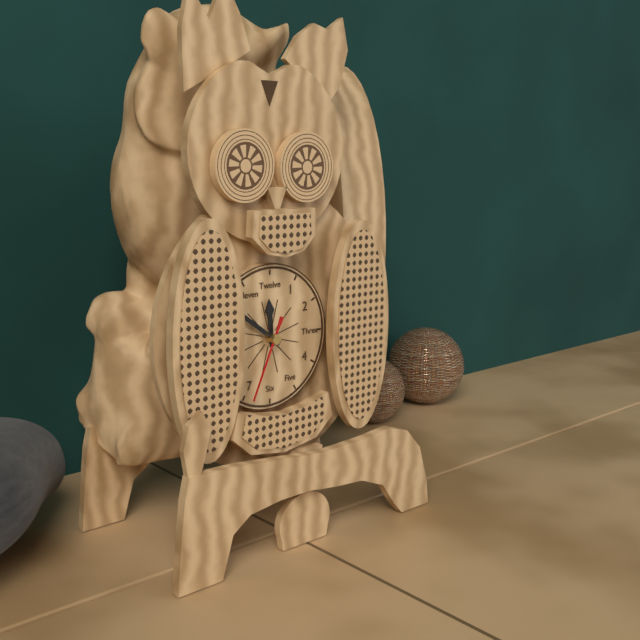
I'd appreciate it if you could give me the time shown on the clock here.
11:51:34
